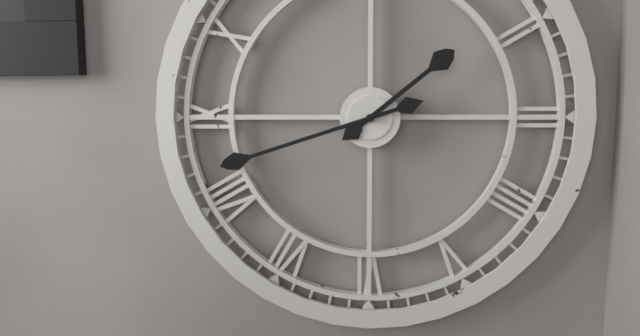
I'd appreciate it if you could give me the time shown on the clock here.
1:42
